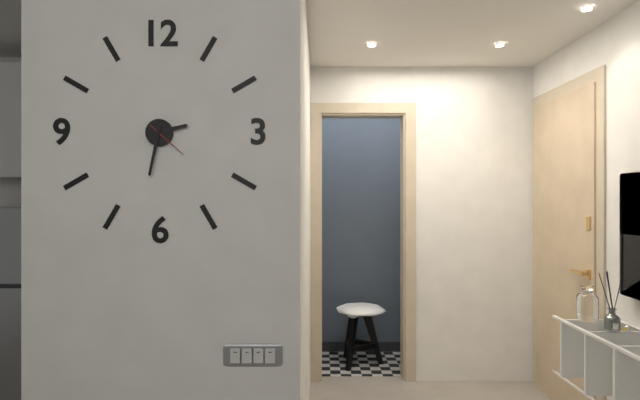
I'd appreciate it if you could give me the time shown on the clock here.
2:32
